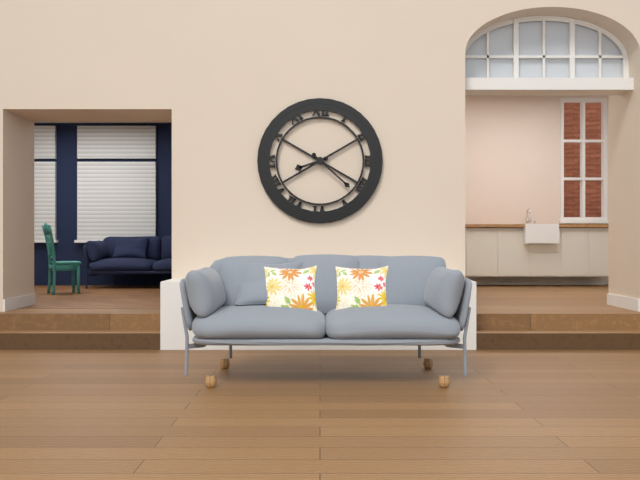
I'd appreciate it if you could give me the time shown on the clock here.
8:22
